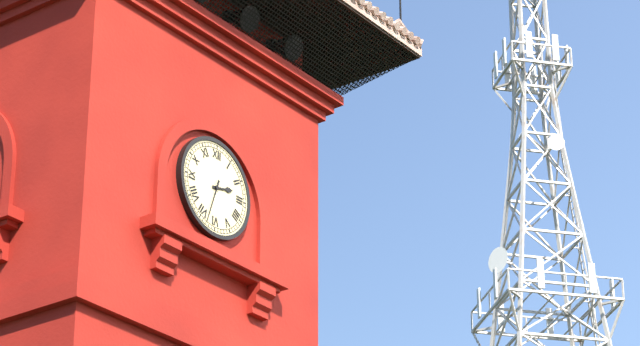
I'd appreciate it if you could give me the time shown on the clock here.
2:33
